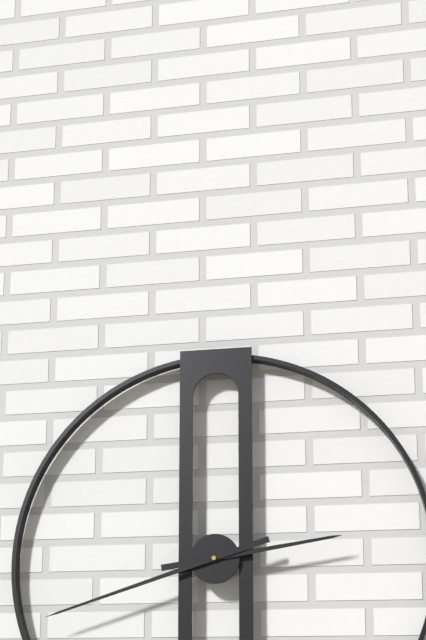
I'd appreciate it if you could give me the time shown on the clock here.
2:42
